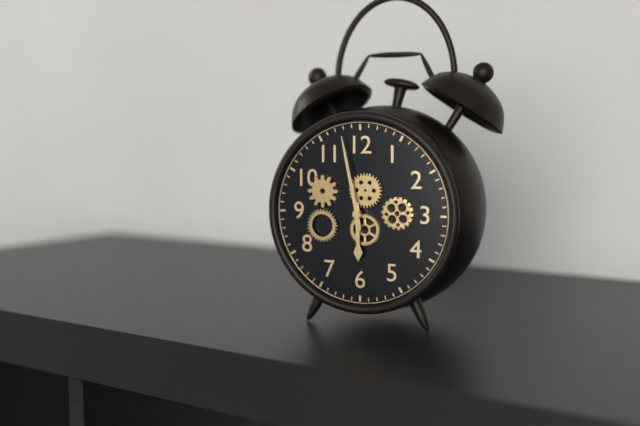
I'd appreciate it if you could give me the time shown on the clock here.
5:58
